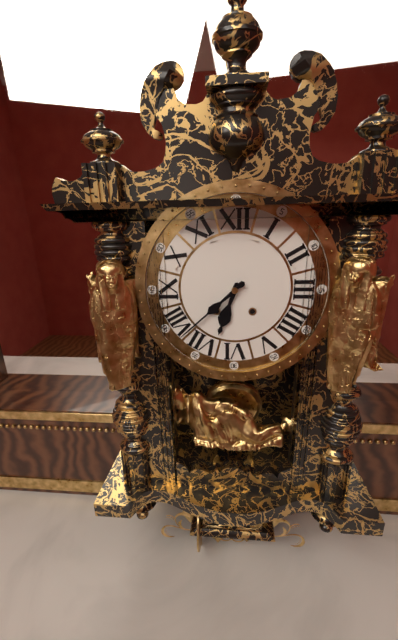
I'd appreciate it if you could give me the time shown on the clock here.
6:38
